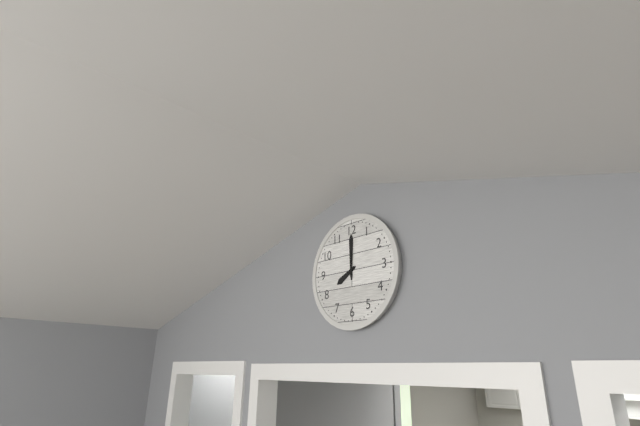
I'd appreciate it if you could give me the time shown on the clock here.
8:00
